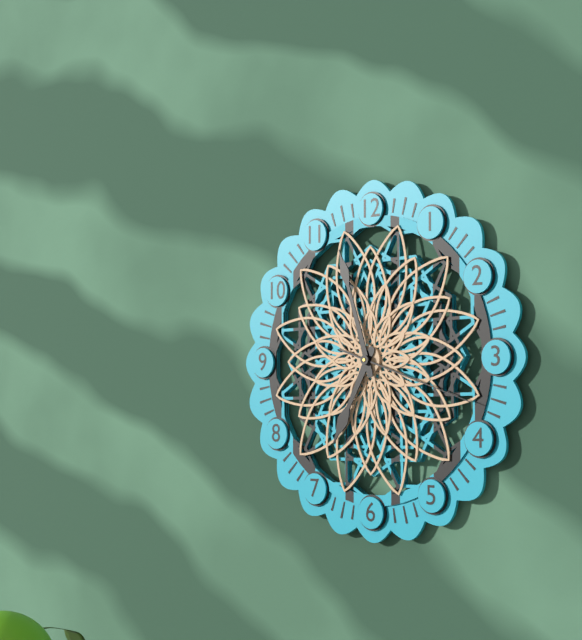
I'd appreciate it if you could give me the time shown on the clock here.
6:57:18
